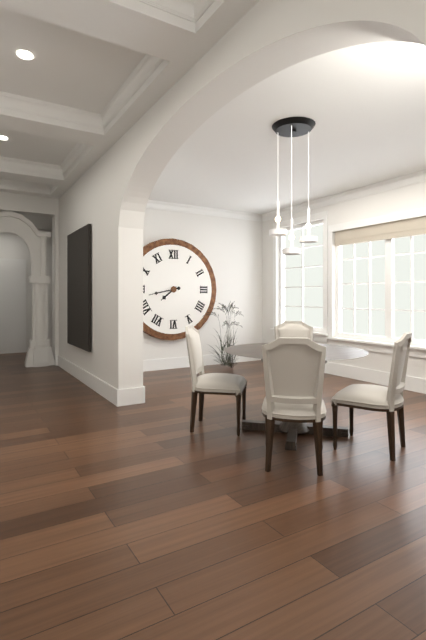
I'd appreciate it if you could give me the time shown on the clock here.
7:43
